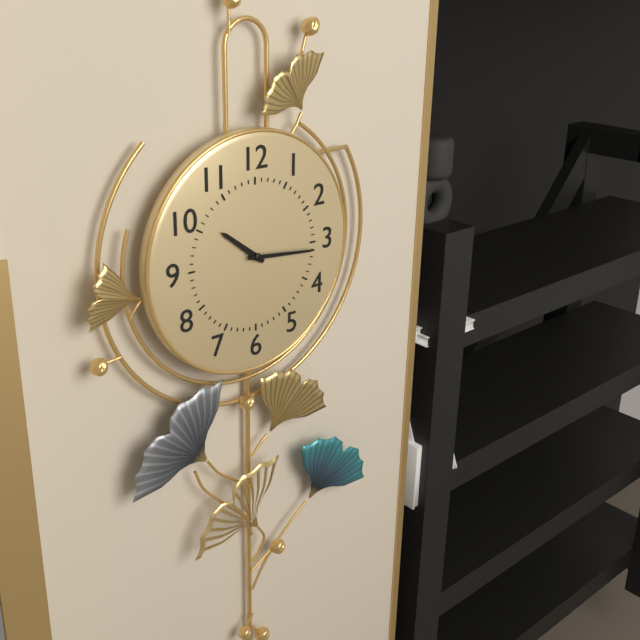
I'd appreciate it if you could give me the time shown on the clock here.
10:16
